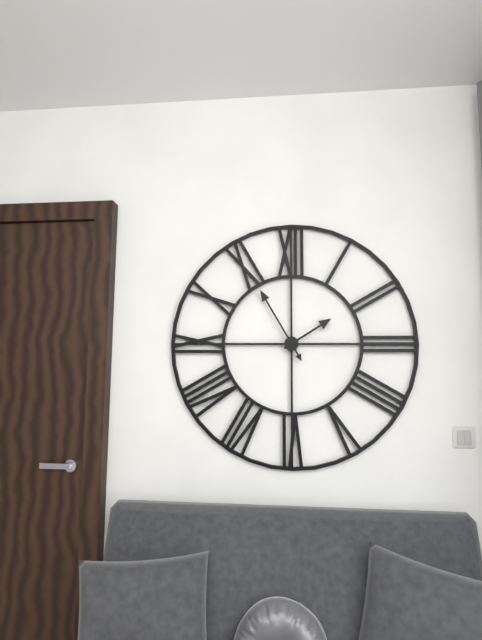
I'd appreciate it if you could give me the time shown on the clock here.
1:55
